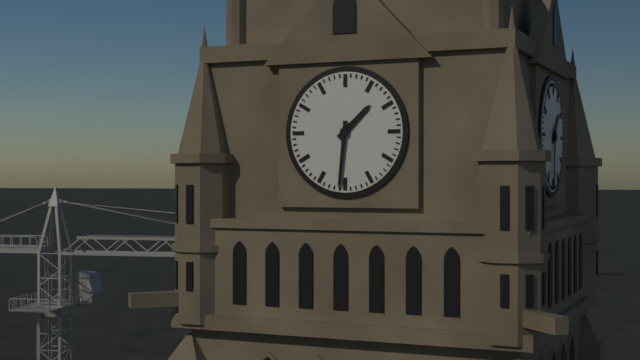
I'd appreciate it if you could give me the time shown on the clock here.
1:31
